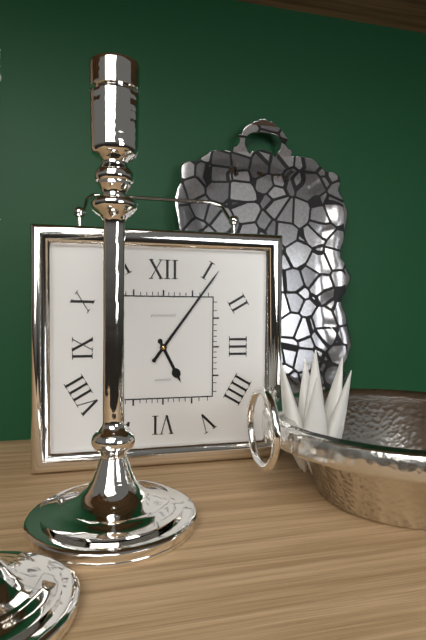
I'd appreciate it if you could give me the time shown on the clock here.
5:06
